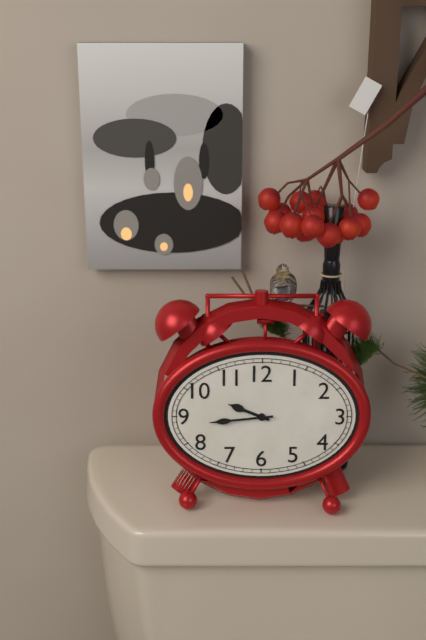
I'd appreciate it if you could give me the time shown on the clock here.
9:44
